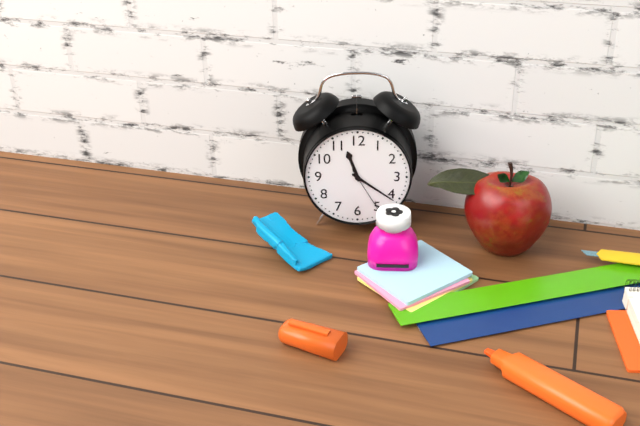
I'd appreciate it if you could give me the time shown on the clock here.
11:21:25
